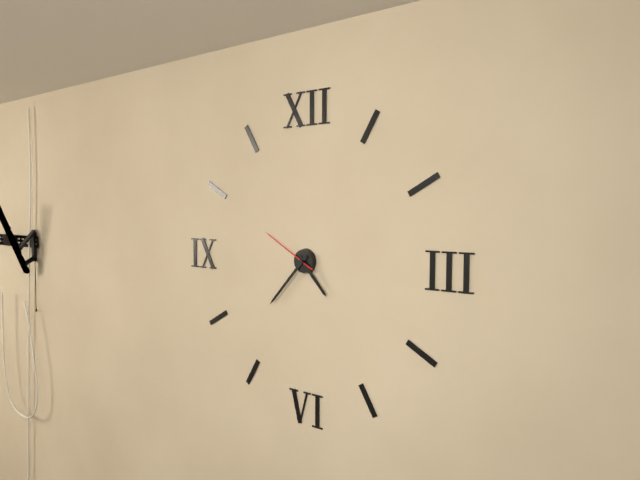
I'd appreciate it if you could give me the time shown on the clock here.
4:37:50
